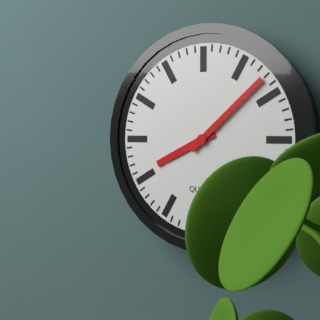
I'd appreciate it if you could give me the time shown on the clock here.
8:08
